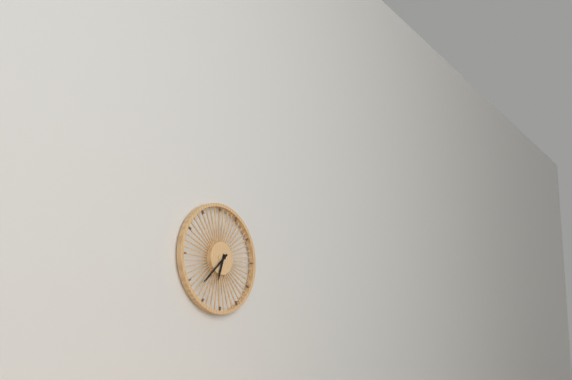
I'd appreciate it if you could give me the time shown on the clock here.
6:38
